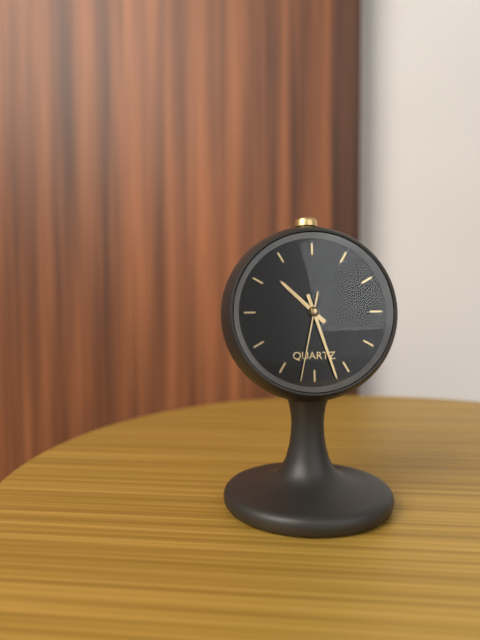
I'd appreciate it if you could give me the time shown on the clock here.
10:27:32
